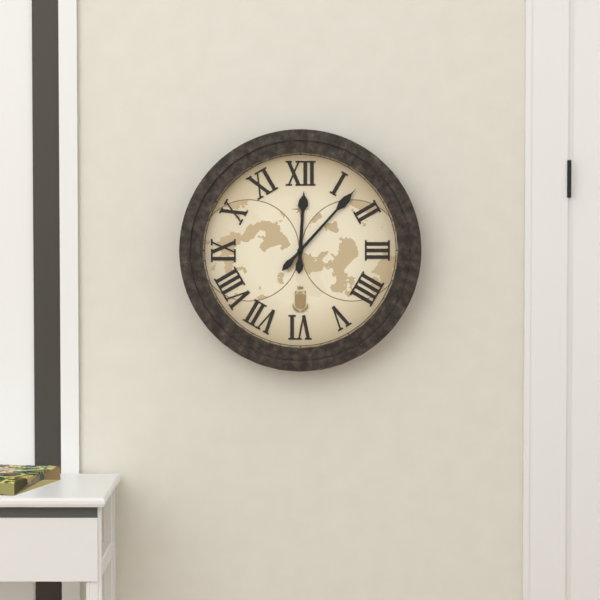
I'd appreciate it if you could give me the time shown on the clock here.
12:07
